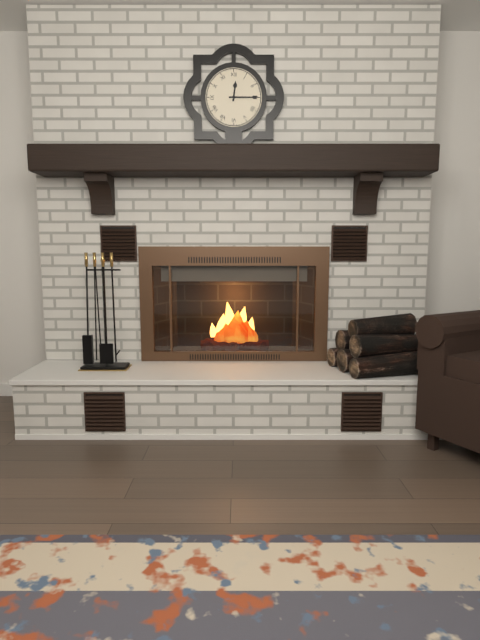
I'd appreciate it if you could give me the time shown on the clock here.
12:15
